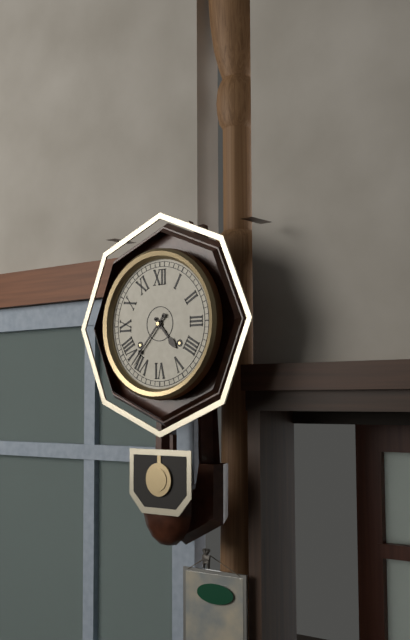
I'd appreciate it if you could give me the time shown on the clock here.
4:37
